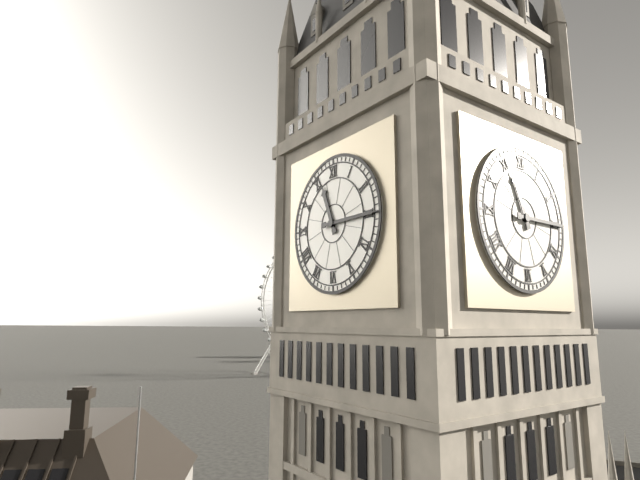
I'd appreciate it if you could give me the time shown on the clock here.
11:15
